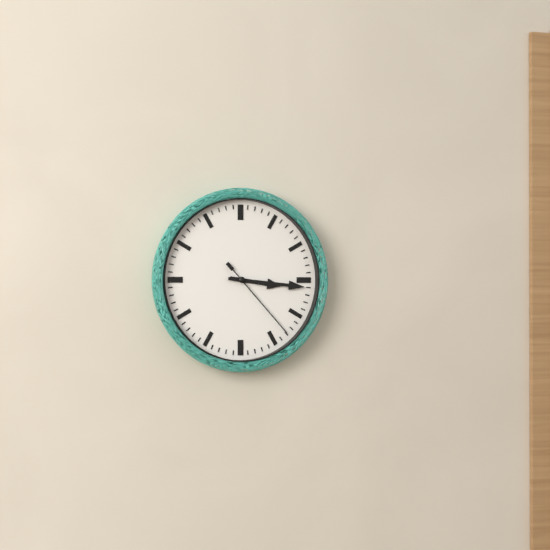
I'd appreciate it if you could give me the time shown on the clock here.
3:16:23
